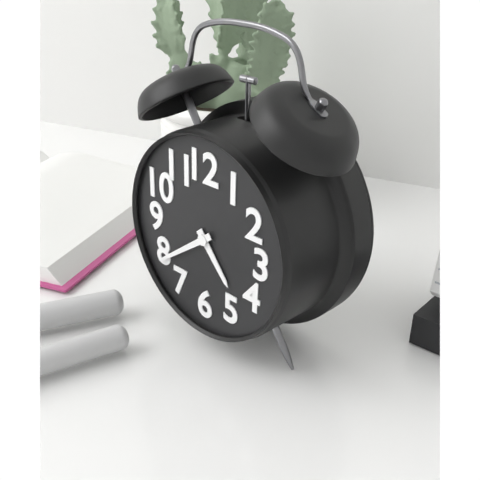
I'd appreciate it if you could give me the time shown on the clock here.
4:39
